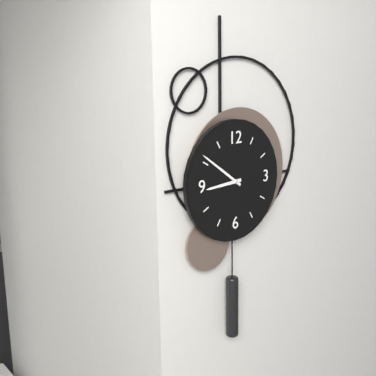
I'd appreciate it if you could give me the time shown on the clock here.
8:51
